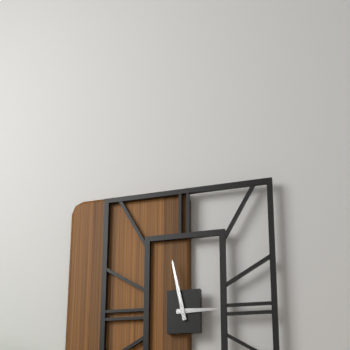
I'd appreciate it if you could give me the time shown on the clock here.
2:58
